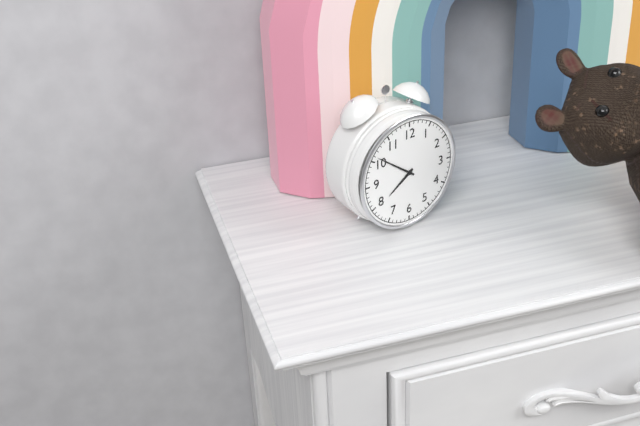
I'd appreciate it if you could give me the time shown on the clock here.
7:51
